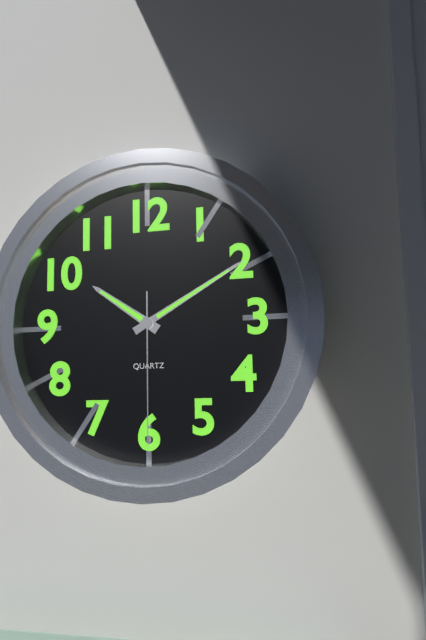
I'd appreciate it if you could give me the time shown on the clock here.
10:10:30
